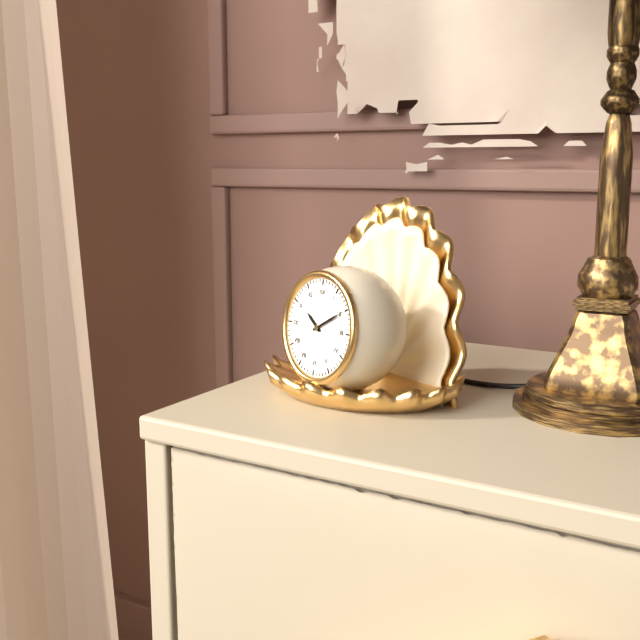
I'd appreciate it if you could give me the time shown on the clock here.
10:10
